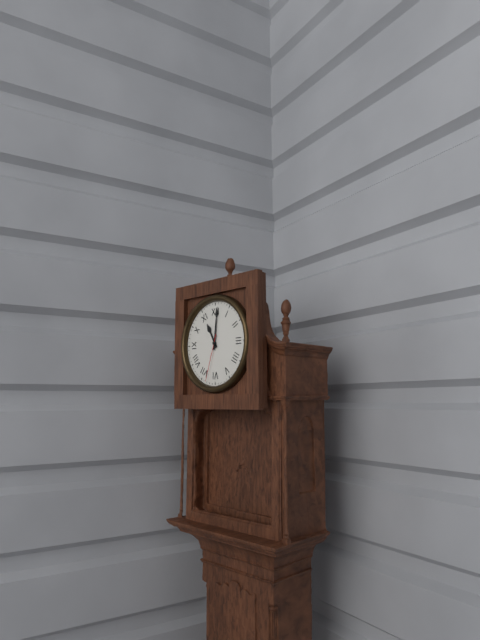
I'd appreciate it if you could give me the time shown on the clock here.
11:01
